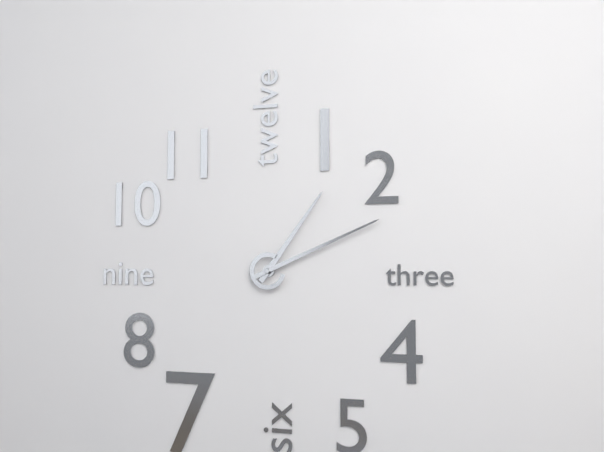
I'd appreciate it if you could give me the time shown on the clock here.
1:11
